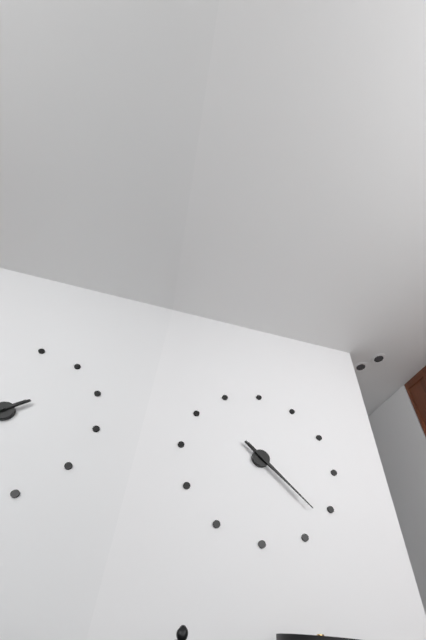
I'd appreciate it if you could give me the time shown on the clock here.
4:22
